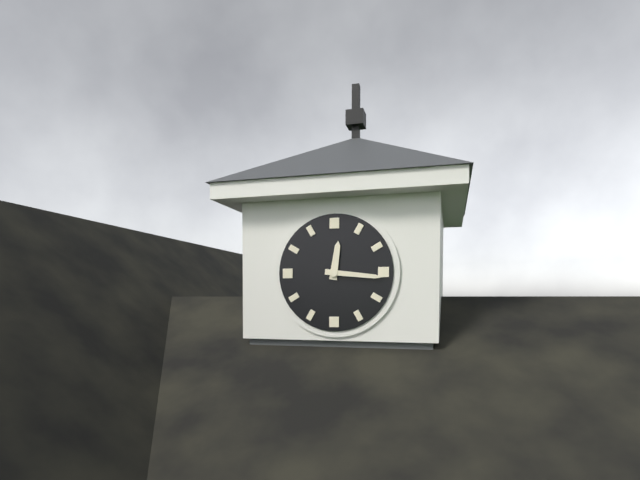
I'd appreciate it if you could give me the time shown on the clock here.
12:16
